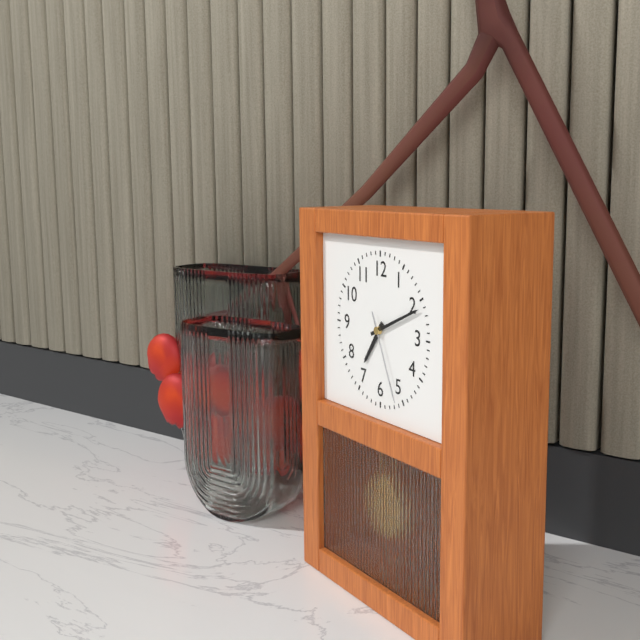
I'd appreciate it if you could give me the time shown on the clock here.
7:11:26
